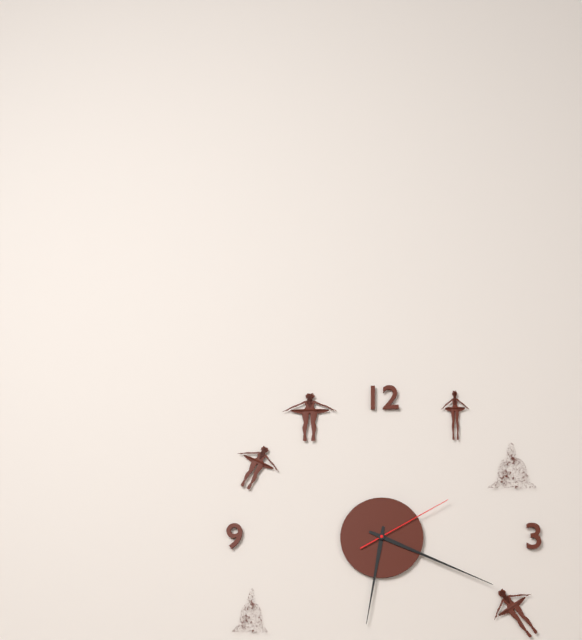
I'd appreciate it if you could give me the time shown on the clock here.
6:19:10
